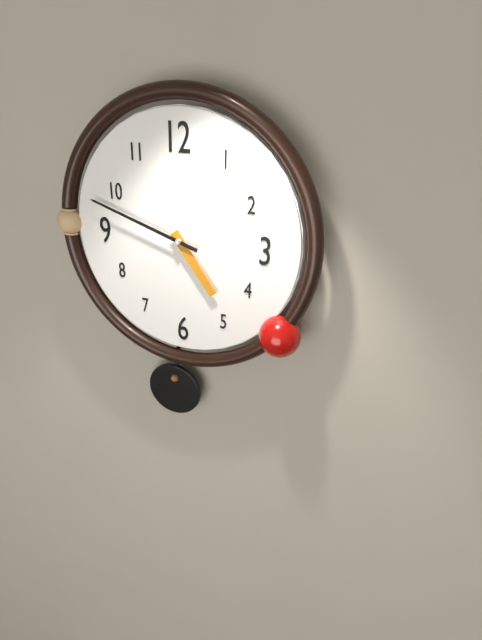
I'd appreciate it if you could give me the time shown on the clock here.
4:48
